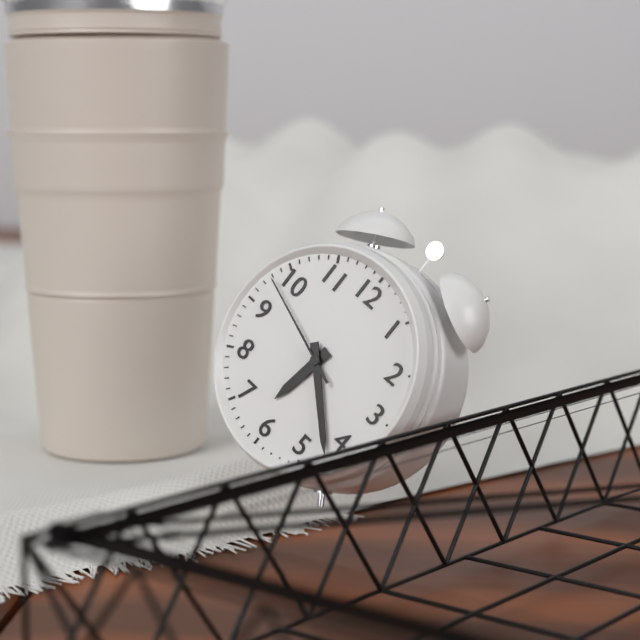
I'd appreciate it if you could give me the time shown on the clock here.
6:22:48
